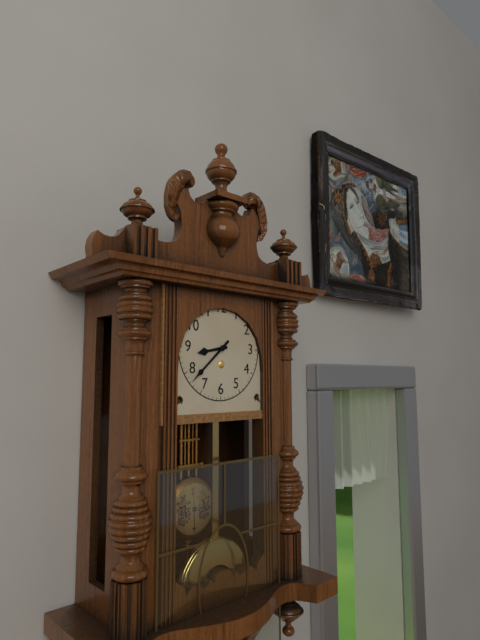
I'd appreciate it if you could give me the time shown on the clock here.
8:38
